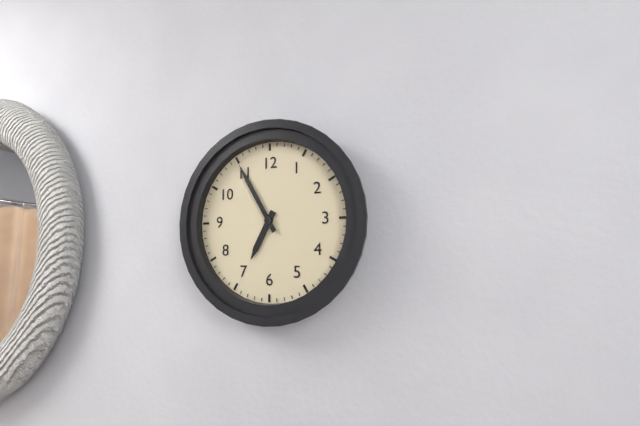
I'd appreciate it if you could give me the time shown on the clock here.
6:55
